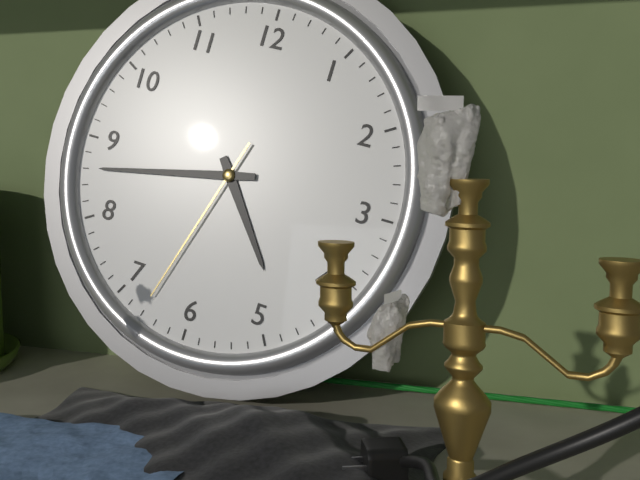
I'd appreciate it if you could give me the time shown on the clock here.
4:43:33
